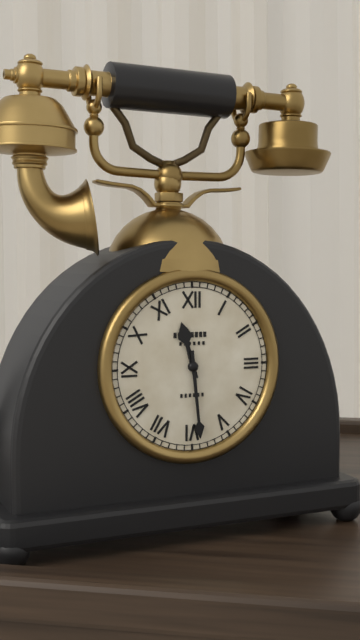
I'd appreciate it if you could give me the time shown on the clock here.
11:29
